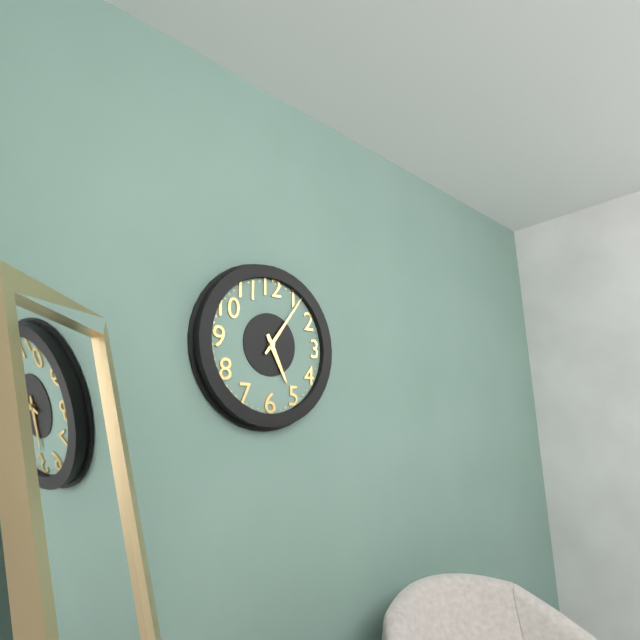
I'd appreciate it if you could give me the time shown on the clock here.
5:06
